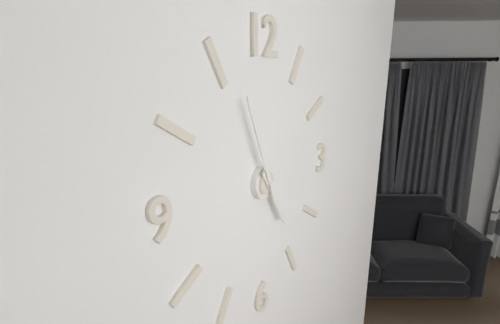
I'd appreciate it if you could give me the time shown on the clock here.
4:56
